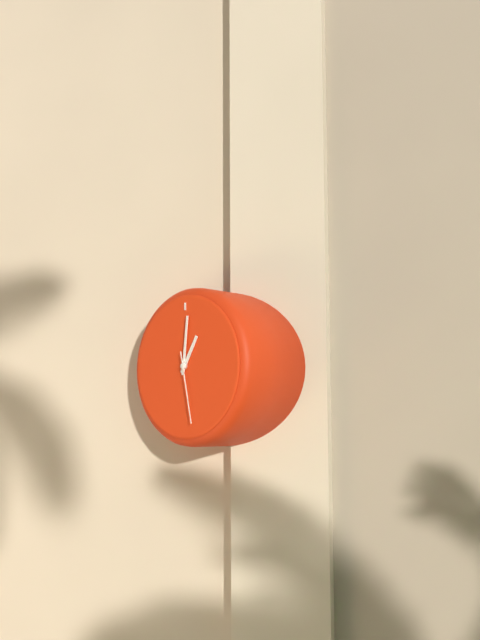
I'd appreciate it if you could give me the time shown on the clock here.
1:01:28
